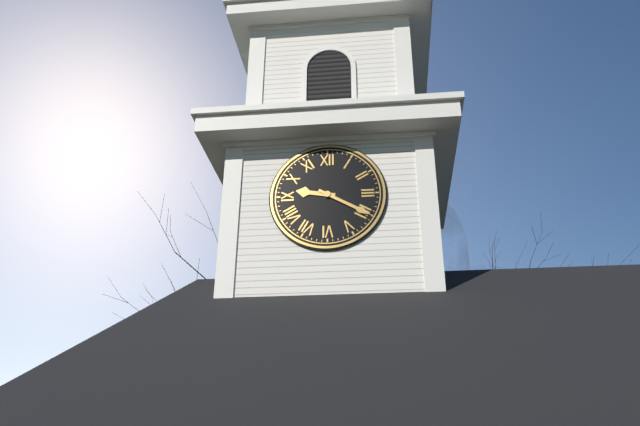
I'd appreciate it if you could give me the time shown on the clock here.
9:20
